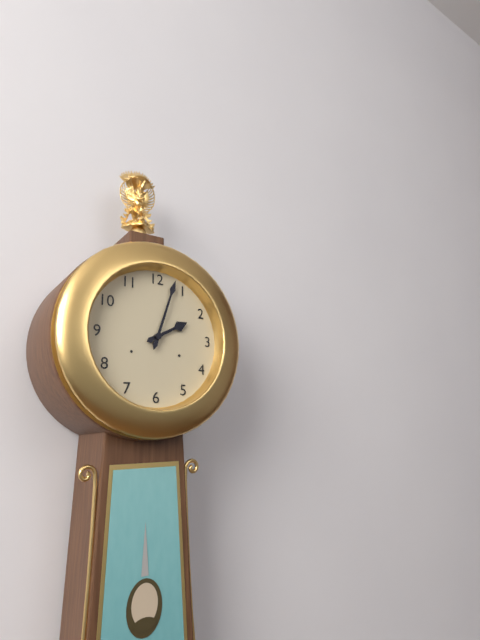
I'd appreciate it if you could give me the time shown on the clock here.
2:03
